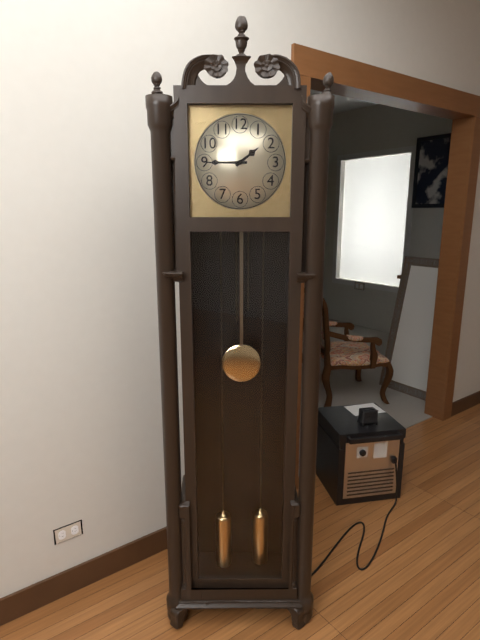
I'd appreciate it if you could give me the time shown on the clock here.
1:45
